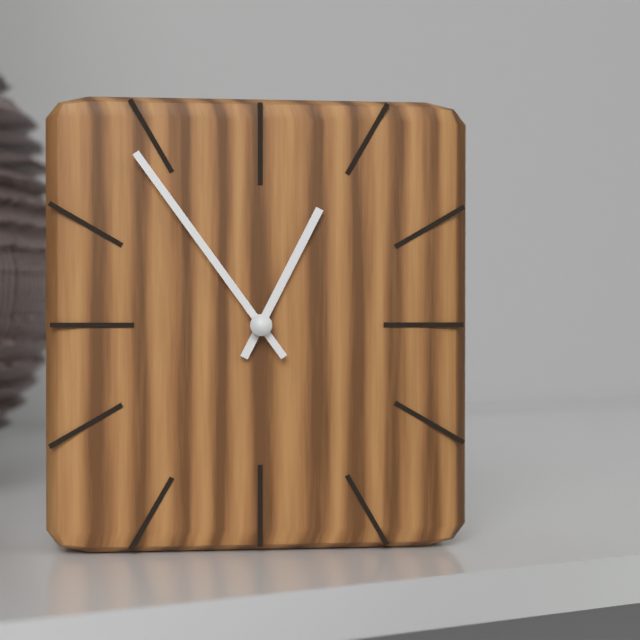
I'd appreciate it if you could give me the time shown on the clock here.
12:54
